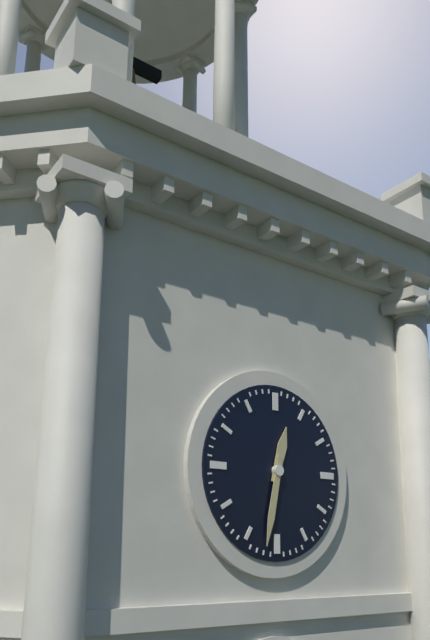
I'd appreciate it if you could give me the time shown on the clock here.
12:32
